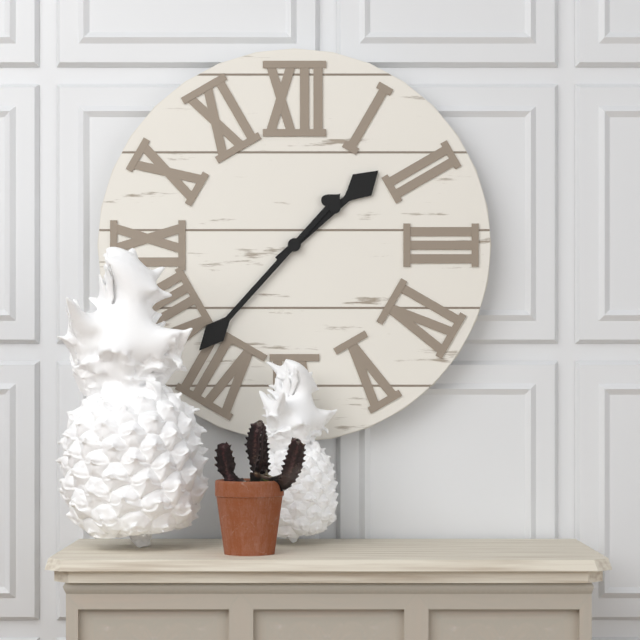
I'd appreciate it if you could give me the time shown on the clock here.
1:37
